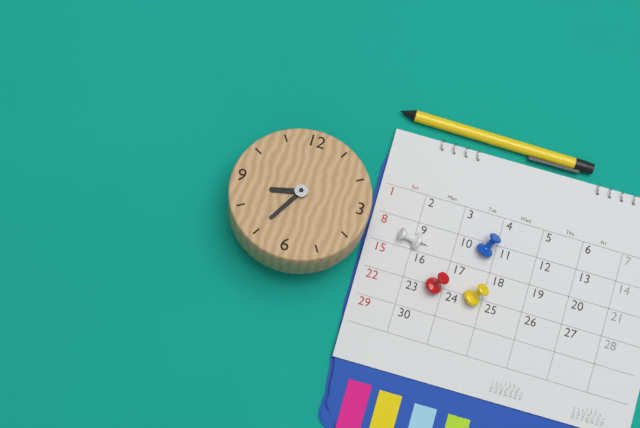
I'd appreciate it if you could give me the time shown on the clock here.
8:35
